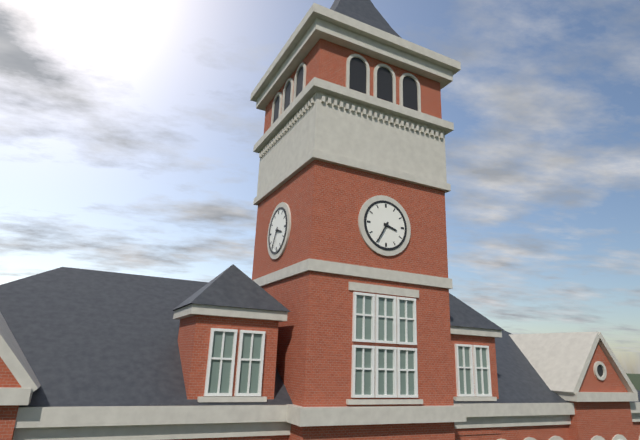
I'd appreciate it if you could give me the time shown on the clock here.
3:35
